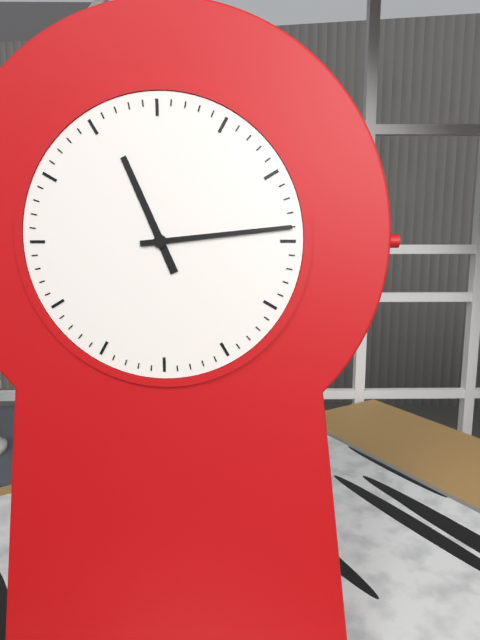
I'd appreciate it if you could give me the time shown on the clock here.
11:14
